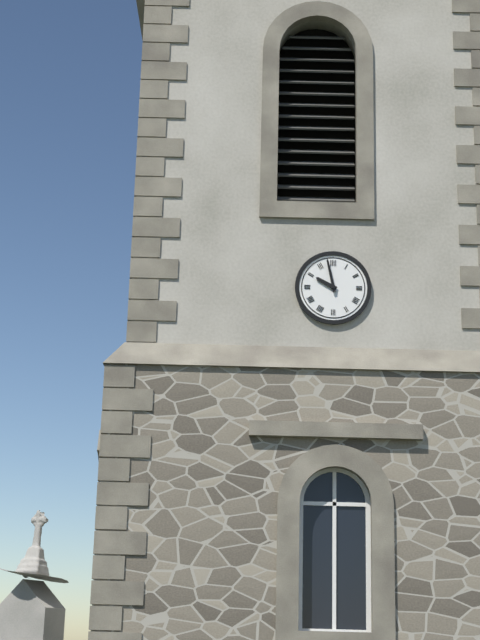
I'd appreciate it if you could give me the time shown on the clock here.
9:58
